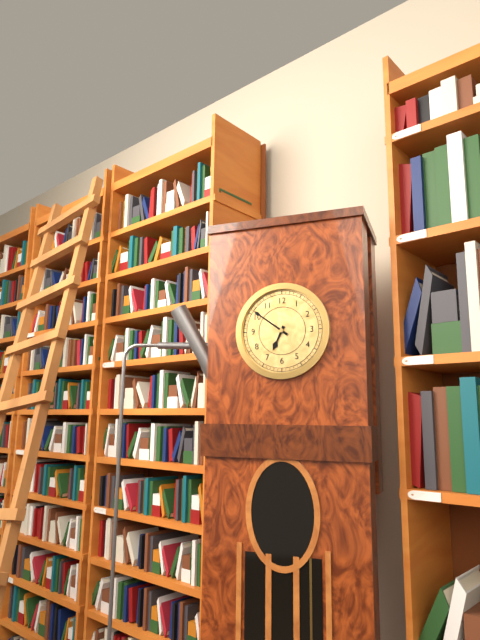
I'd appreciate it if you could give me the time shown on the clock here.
6:51
